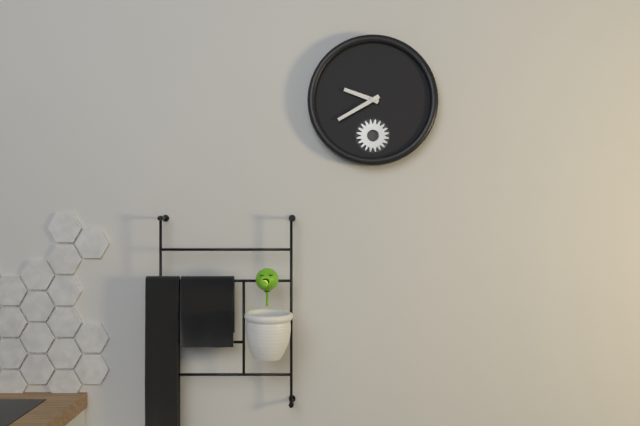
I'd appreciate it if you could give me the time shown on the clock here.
9:40
